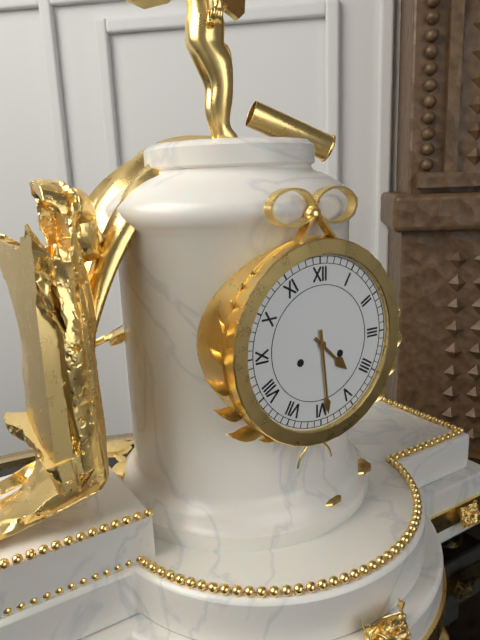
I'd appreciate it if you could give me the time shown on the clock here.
4:29
